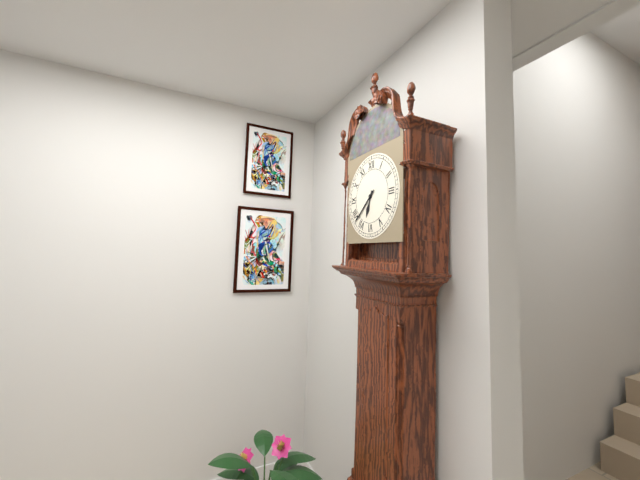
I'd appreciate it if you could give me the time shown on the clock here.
6:38
